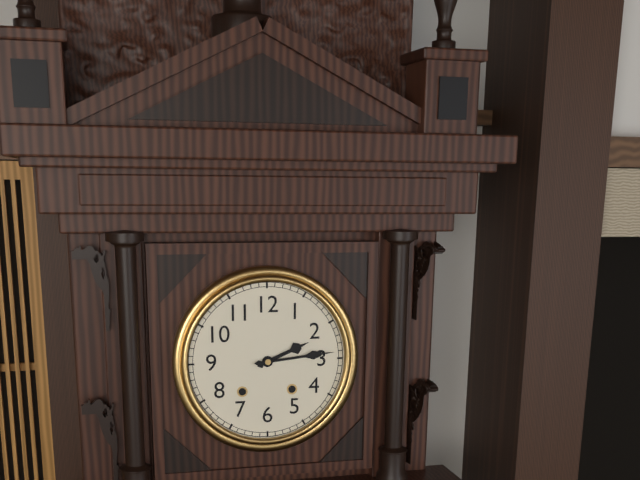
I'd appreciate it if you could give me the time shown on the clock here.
2:14
